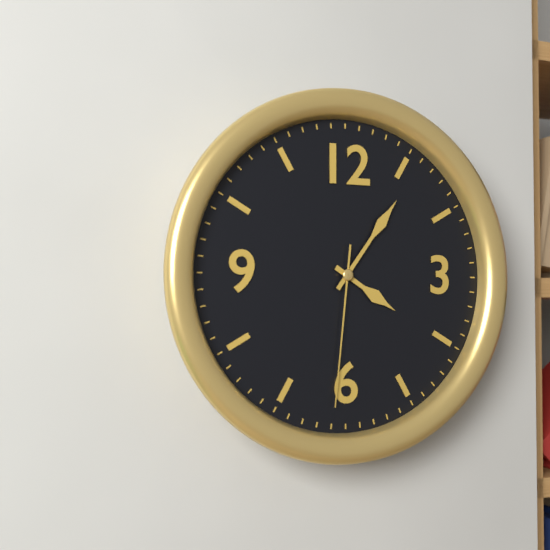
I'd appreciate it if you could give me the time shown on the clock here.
4:06:31
